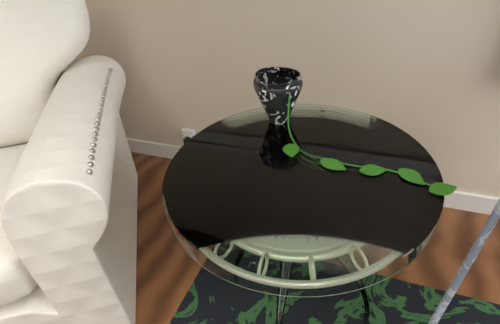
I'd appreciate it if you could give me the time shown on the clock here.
5:10
